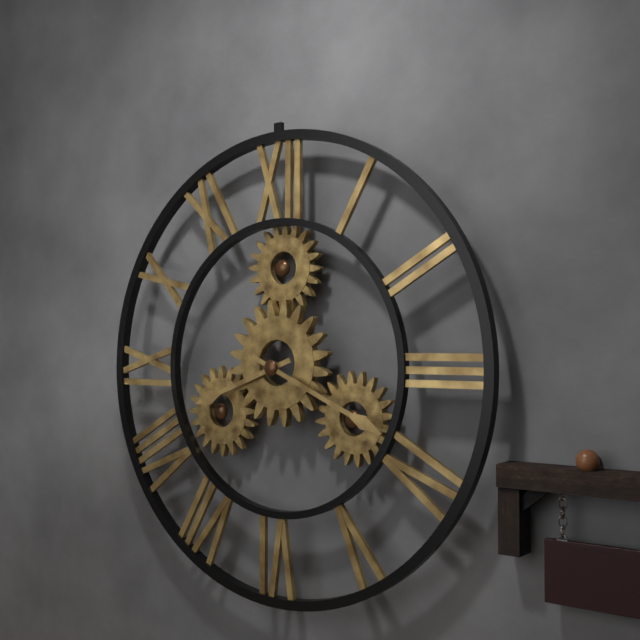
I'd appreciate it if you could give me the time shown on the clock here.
8:19
